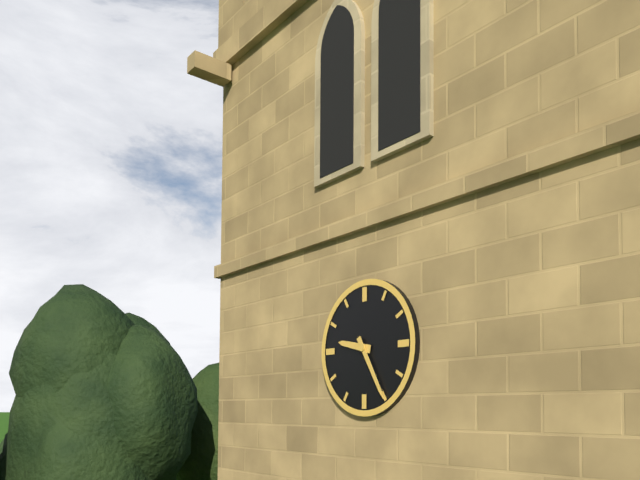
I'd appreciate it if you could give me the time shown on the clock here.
9:25
